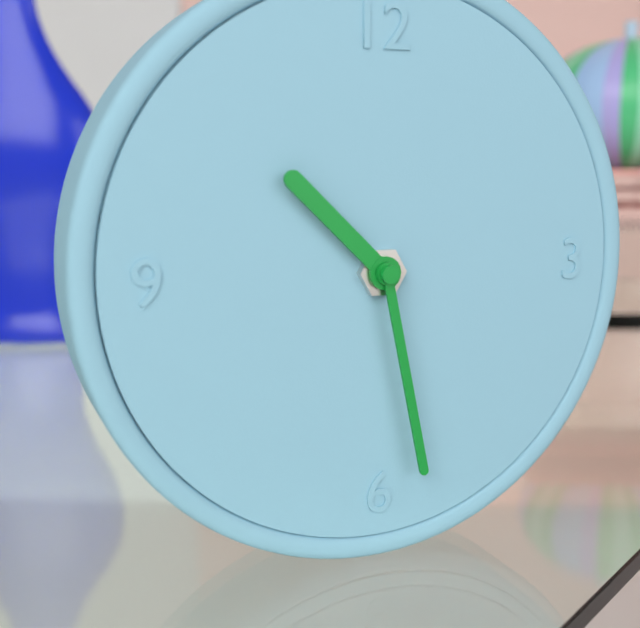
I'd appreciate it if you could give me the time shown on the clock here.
10:28
